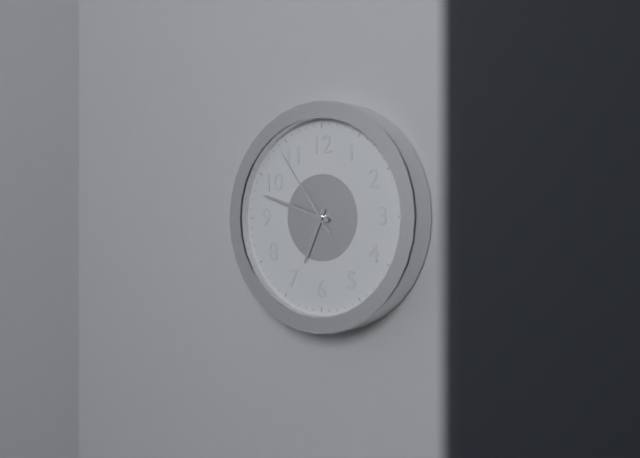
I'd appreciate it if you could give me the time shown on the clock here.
6:48:54
